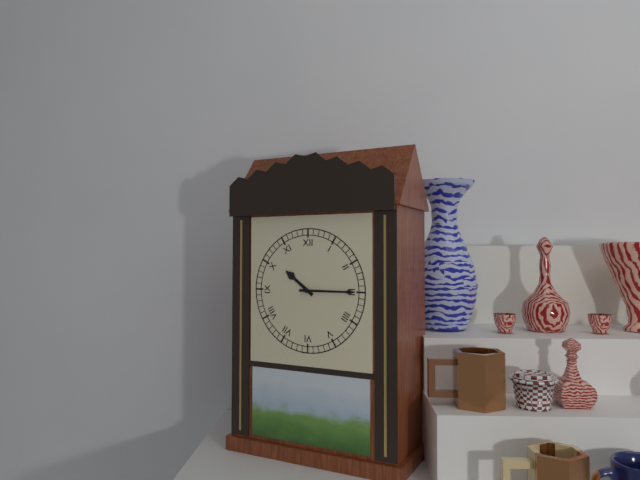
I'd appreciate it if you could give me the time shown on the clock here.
10:15
